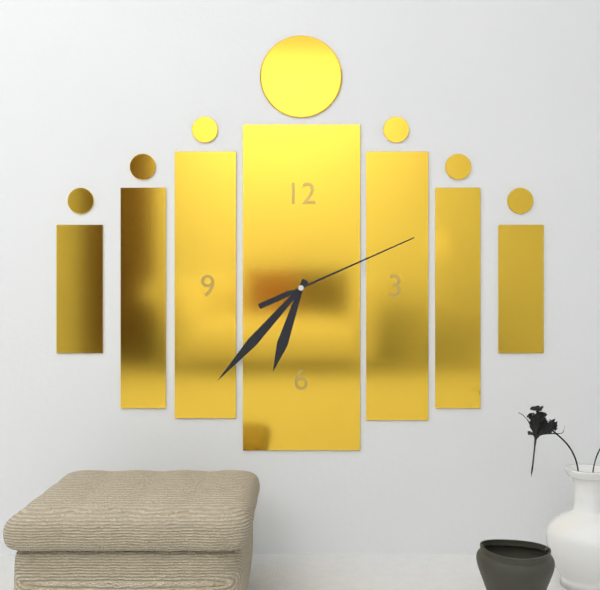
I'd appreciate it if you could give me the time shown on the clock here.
6:37:11
